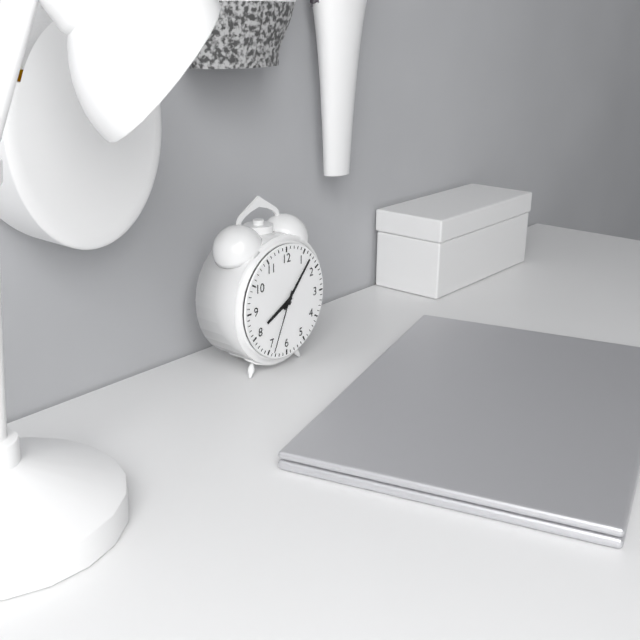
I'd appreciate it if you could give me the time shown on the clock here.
8:07:34
